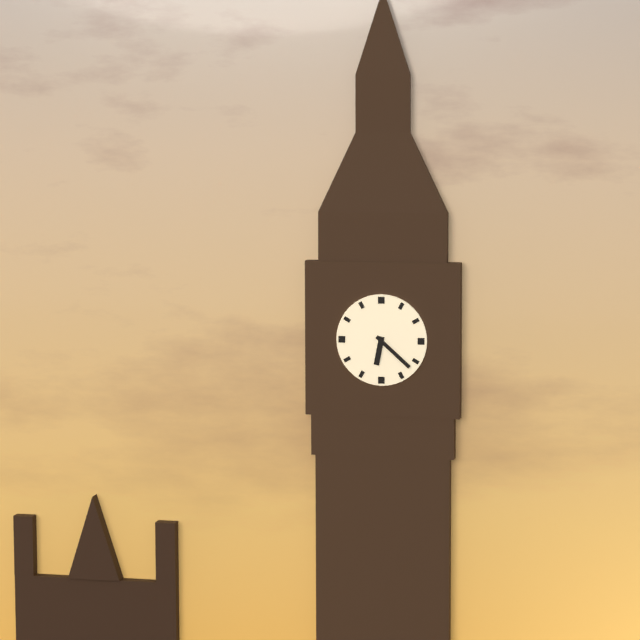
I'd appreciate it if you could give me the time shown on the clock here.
6:22
